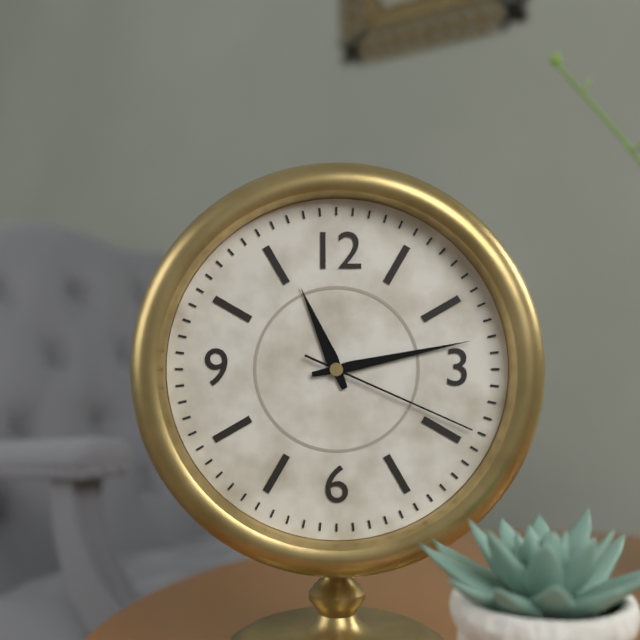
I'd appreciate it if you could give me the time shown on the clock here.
11:13:19
